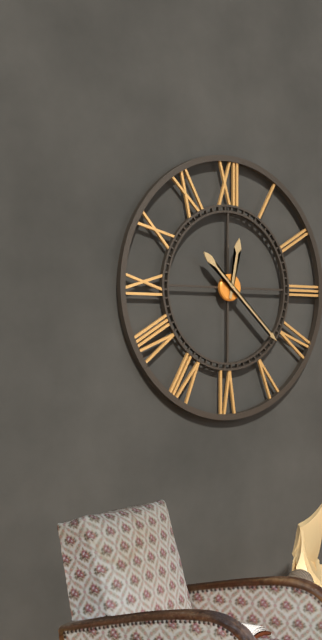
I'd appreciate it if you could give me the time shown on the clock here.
12:22
